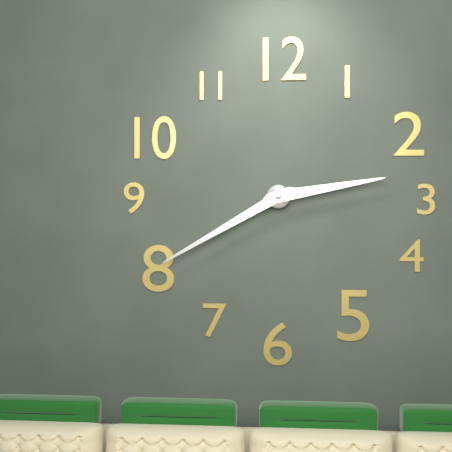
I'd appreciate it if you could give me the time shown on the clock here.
2:40
